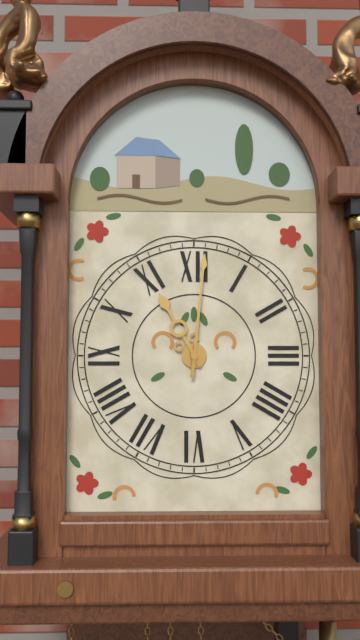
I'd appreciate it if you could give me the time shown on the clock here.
11:01
